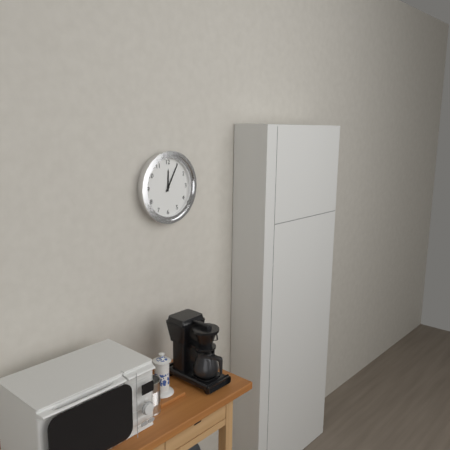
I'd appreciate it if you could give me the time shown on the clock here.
12:05
